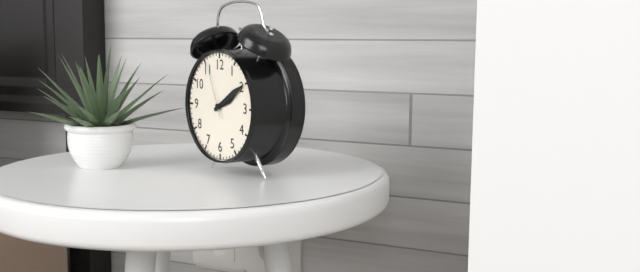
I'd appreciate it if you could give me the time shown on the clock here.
2:10:56
